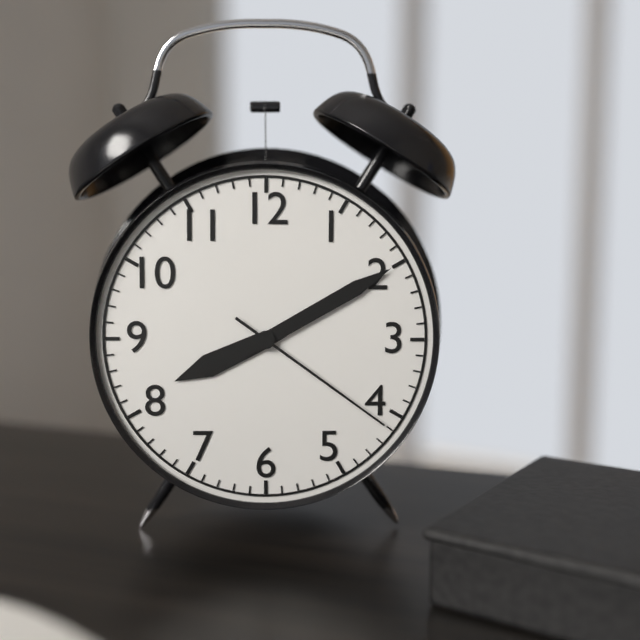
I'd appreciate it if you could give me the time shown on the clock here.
8:10:21
